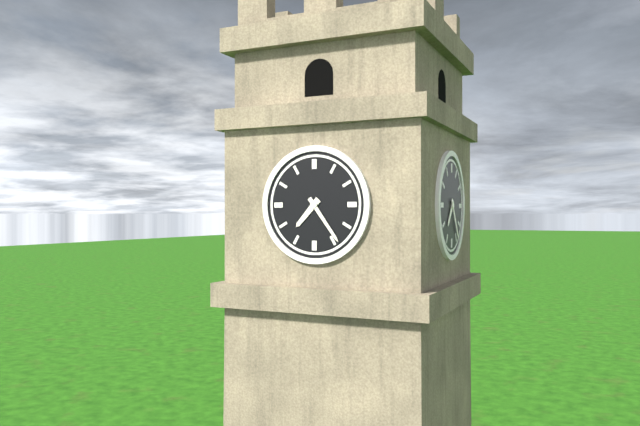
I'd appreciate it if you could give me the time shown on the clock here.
7:24
